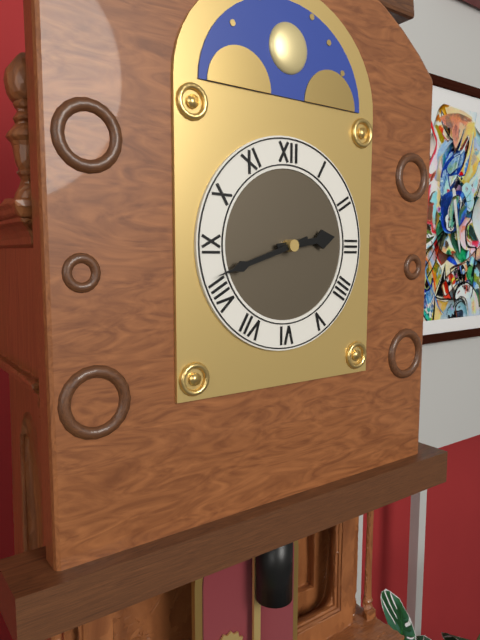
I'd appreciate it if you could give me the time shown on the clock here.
2:42
